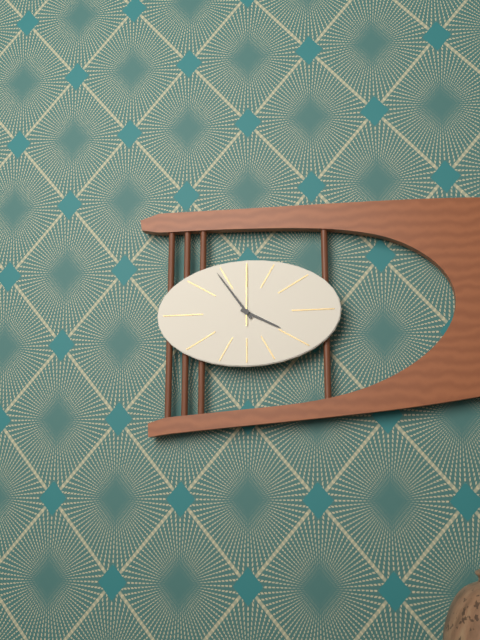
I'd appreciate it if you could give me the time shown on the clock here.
3:54:00
